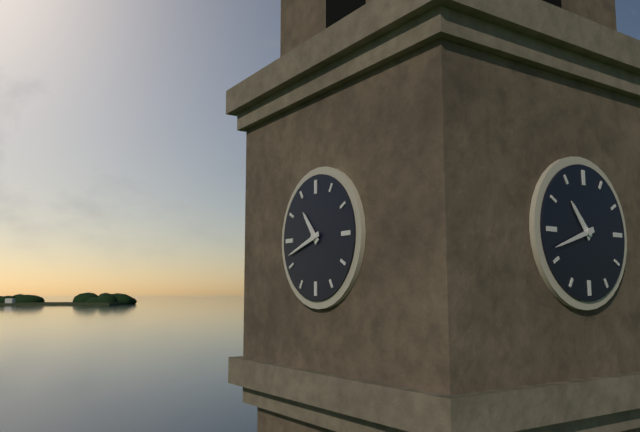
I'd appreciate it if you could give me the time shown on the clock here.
10:42
